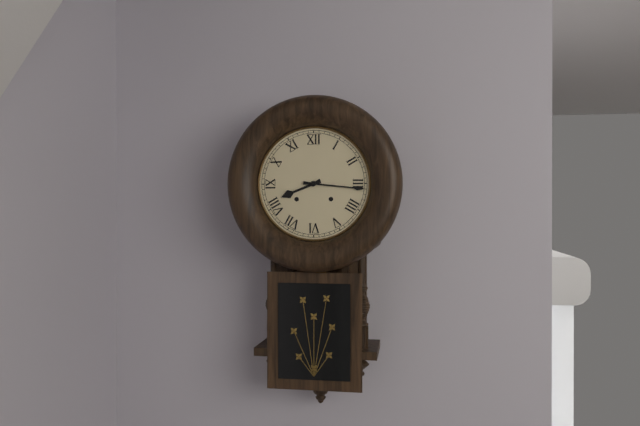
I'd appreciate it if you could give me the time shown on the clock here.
8:16
